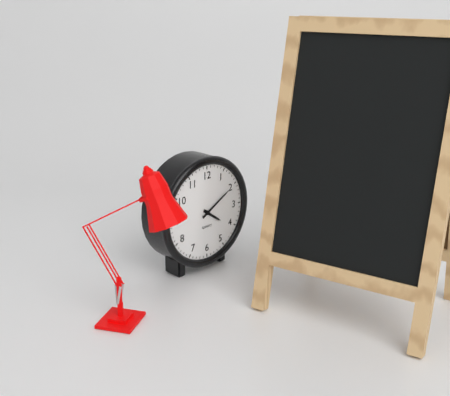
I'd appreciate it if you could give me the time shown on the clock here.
4:10
